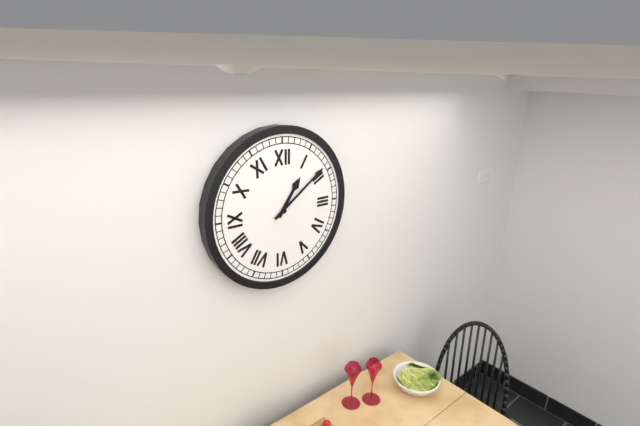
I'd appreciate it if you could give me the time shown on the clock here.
1:09
